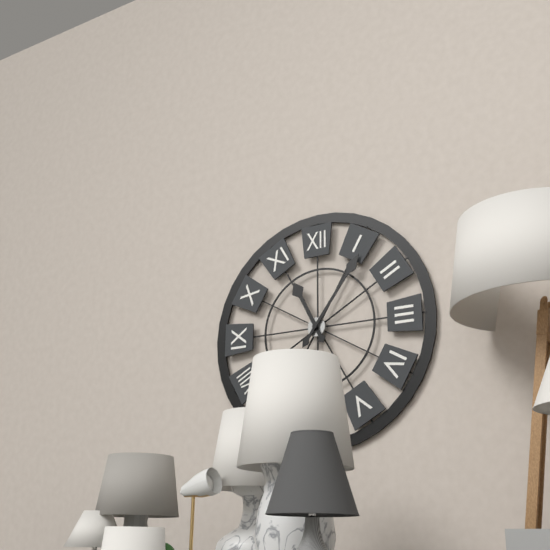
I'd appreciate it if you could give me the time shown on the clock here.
11:06
